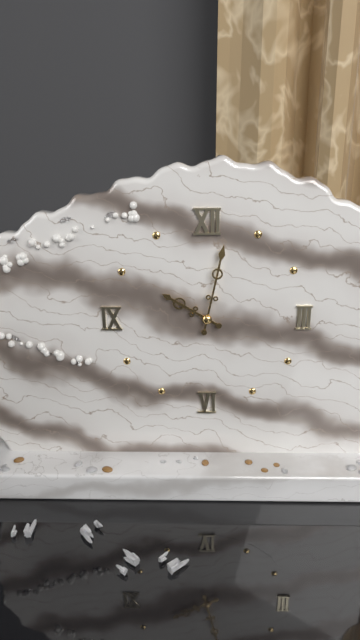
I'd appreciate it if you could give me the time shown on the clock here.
10:02
